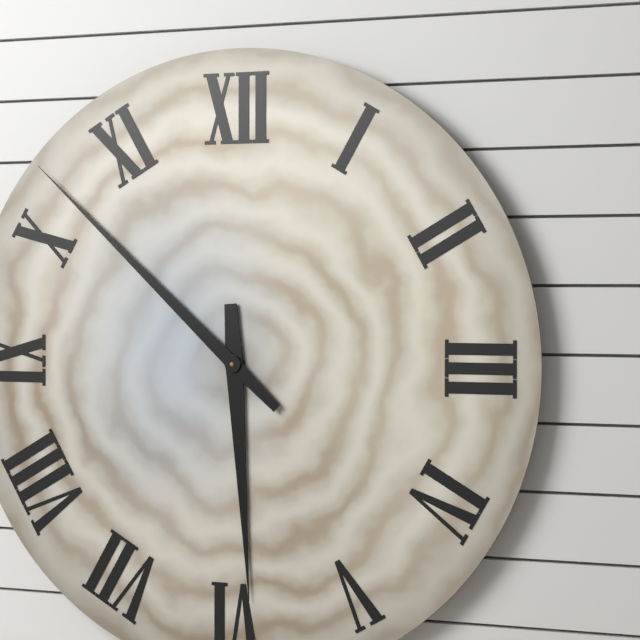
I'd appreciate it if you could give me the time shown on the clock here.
5:52
